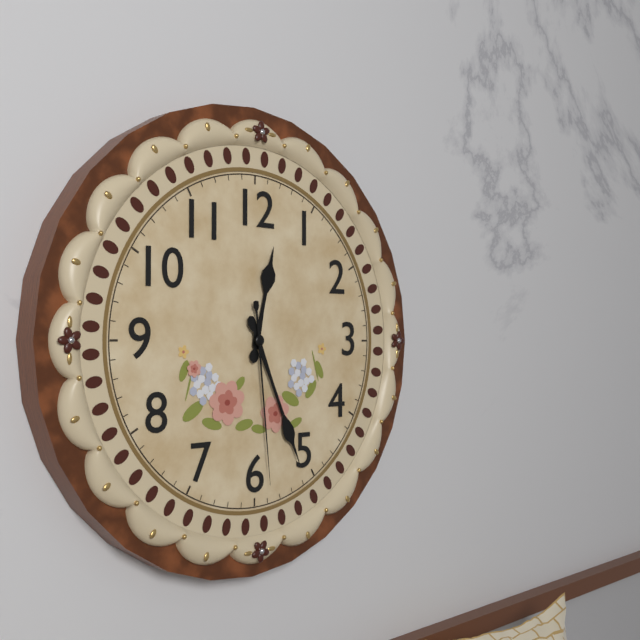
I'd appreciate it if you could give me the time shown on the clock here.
12:26:29
